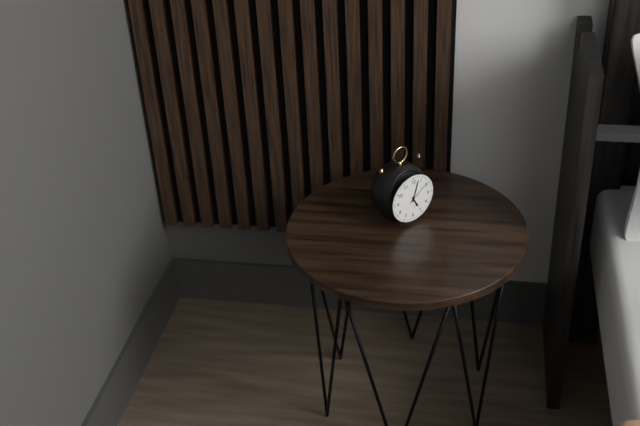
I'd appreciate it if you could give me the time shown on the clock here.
5:03
